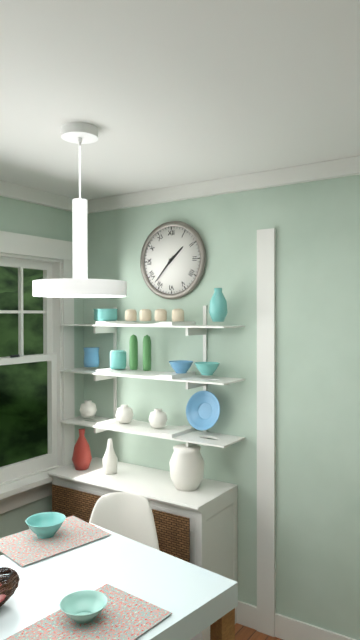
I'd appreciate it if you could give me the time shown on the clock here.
1:37
